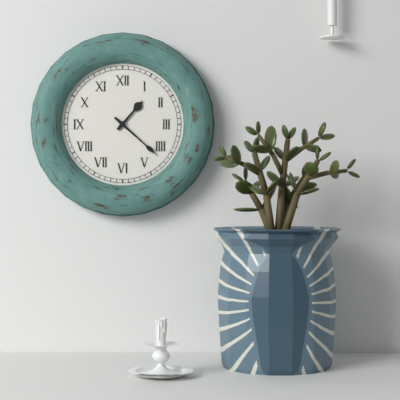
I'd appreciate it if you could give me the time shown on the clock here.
1:22
